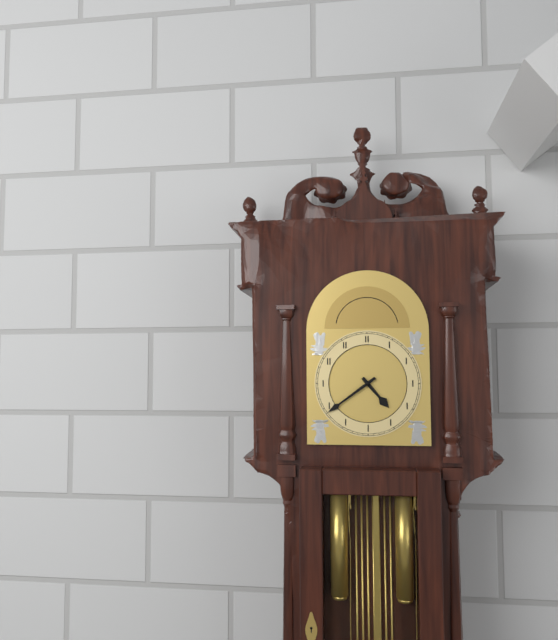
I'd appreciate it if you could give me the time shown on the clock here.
4:39
